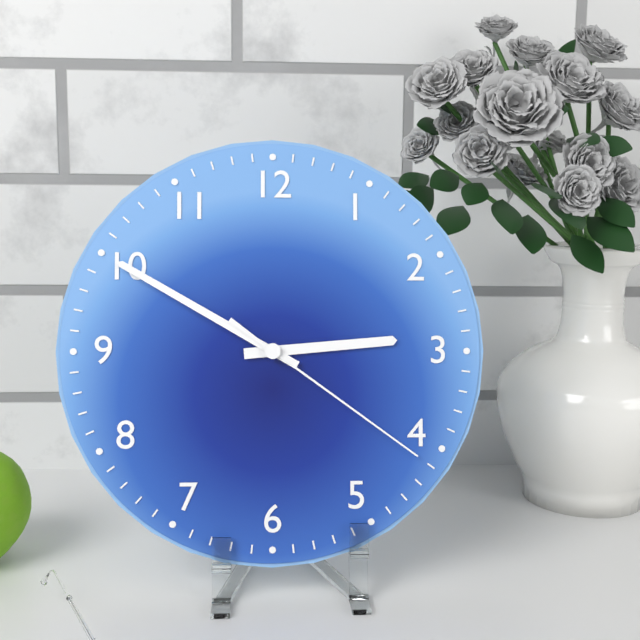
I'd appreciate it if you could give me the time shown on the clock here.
2:50:21
